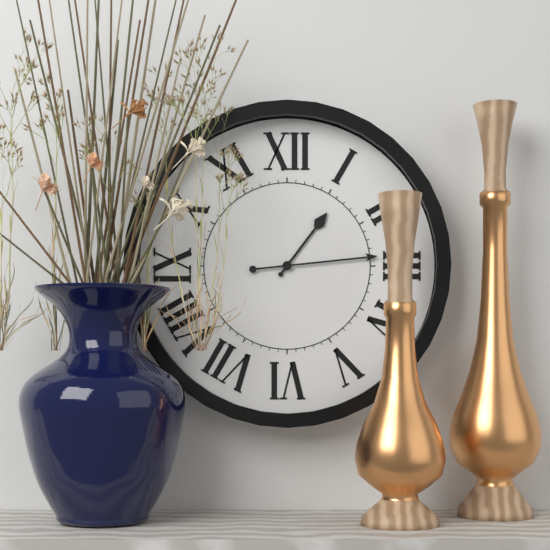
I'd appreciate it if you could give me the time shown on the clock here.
1:14
